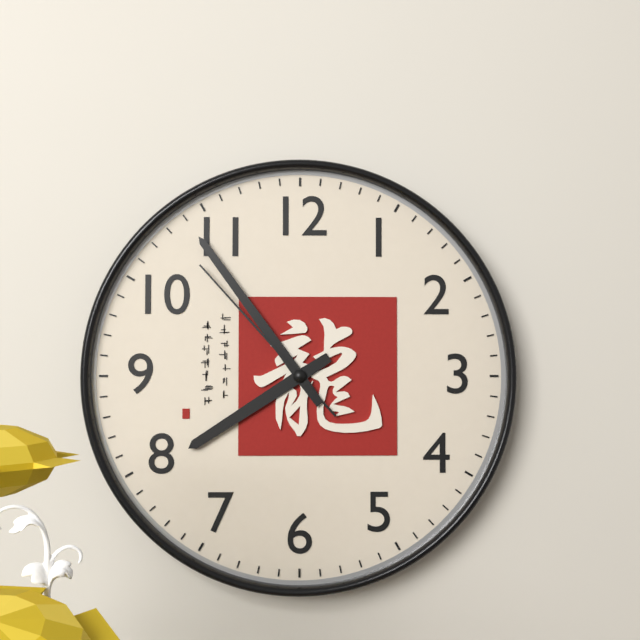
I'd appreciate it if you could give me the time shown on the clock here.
7:54:53
